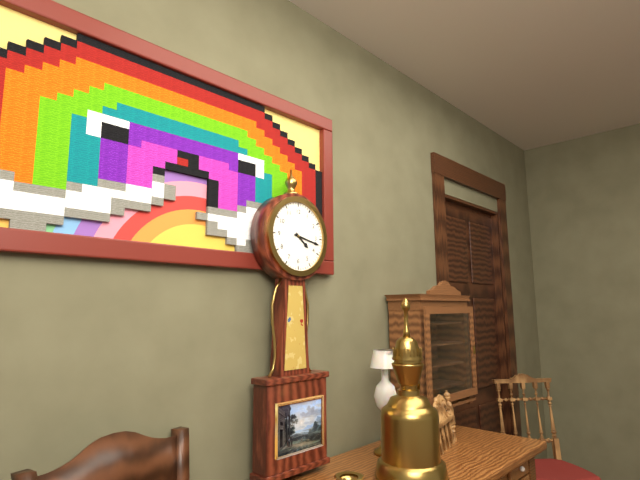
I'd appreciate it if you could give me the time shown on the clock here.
4:17
